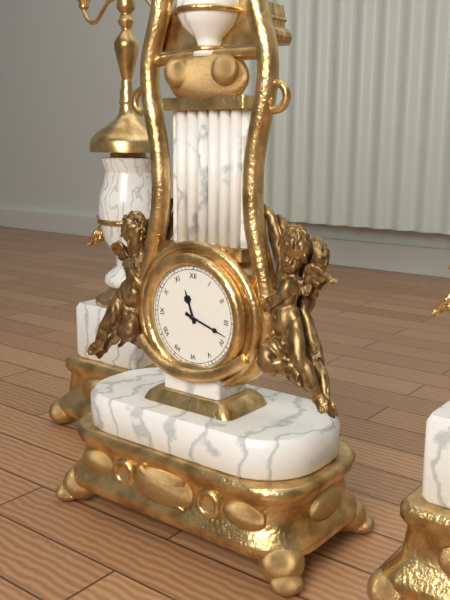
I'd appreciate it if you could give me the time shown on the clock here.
11:18
